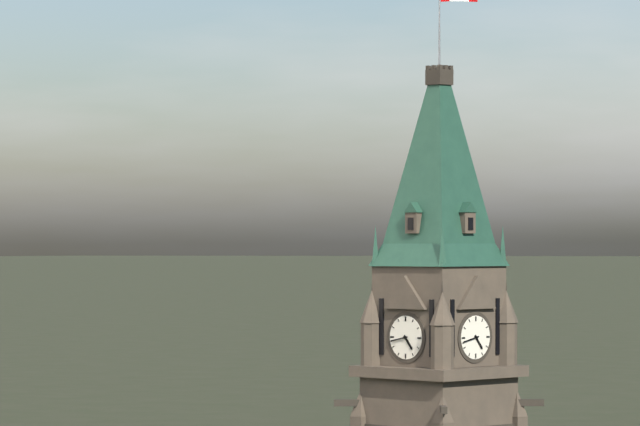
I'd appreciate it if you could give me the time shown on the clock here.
4:43
